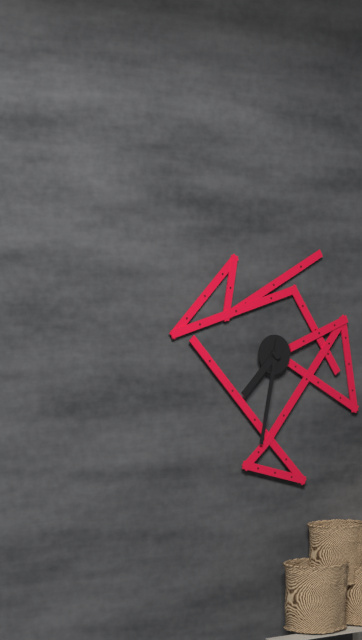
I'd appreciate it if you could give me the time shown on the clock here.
7:32
